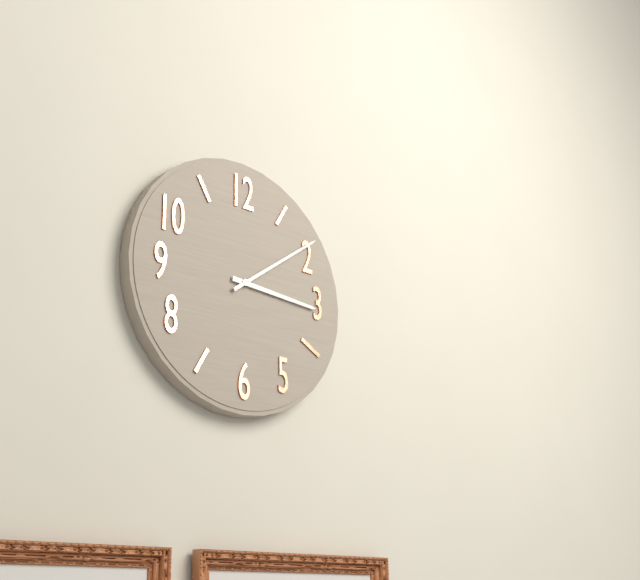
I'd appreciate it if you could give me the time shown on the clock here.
3:09
